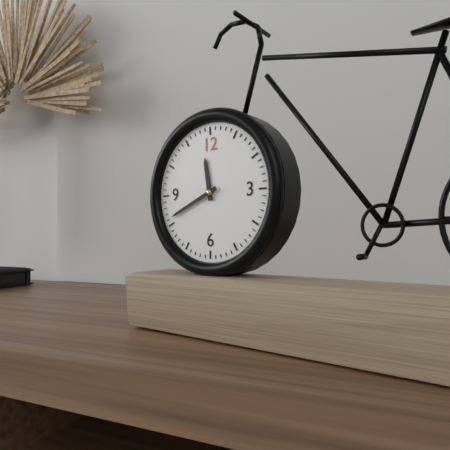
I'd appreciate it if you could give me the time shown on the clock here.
11:41
